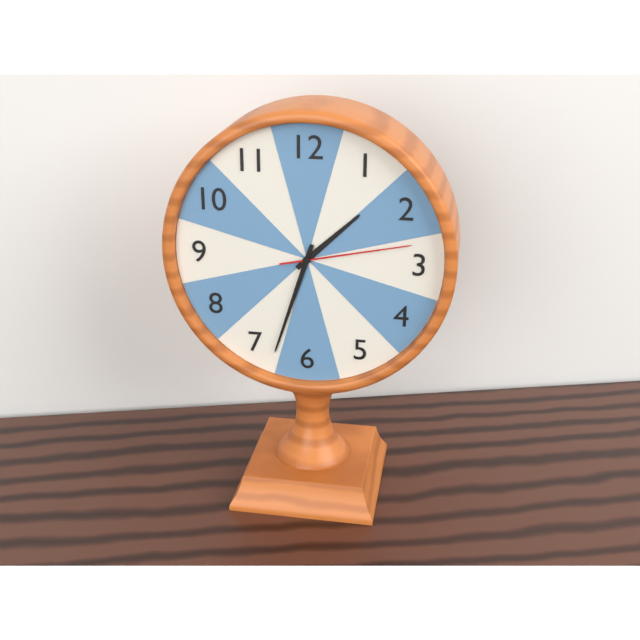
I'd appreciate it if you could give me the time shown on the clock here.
1:33:13
